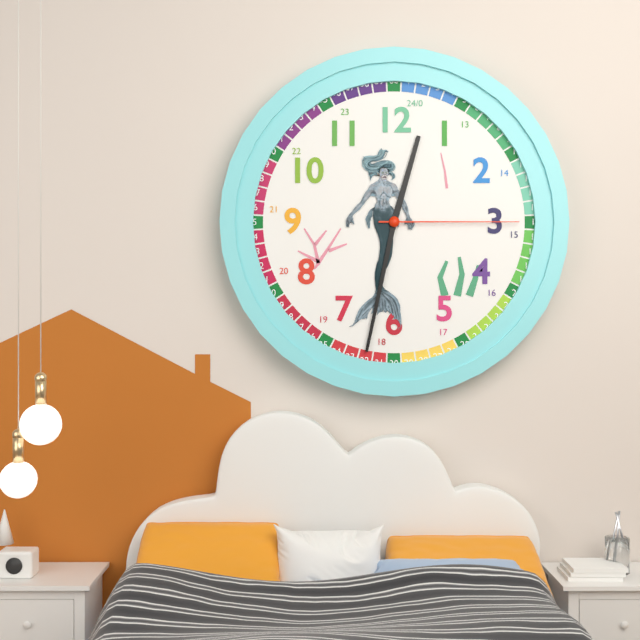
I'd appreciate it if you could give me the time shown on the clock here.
12:32:15
